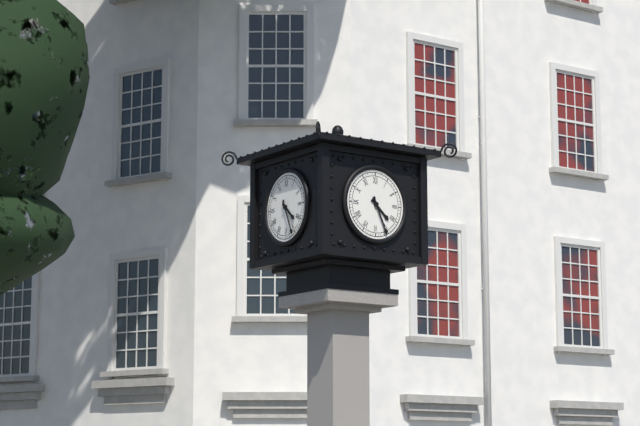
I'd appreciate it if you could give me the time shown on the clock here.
4:26
